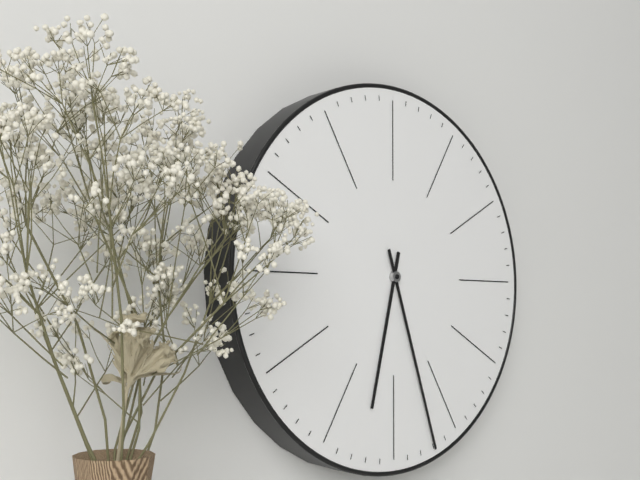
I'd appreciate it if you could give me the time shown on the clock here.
6:27
